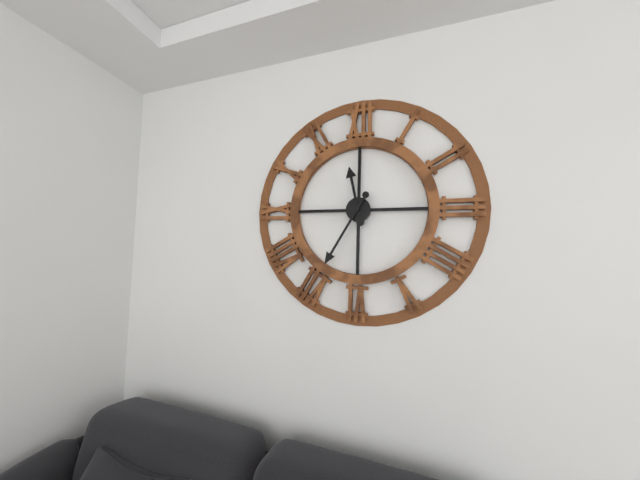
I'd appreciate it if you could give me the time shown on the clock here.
11:35
